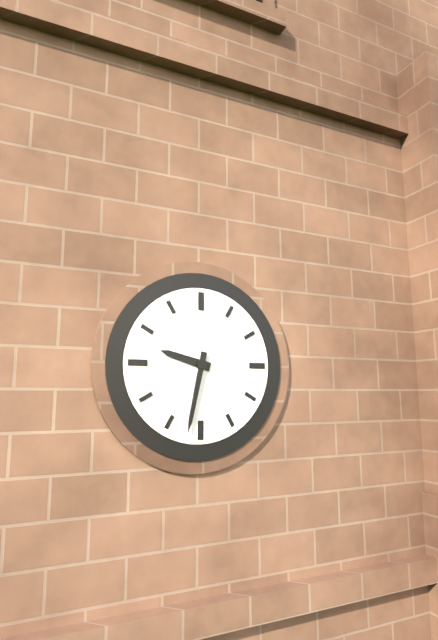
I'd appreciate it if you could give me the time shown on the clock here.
9:32
